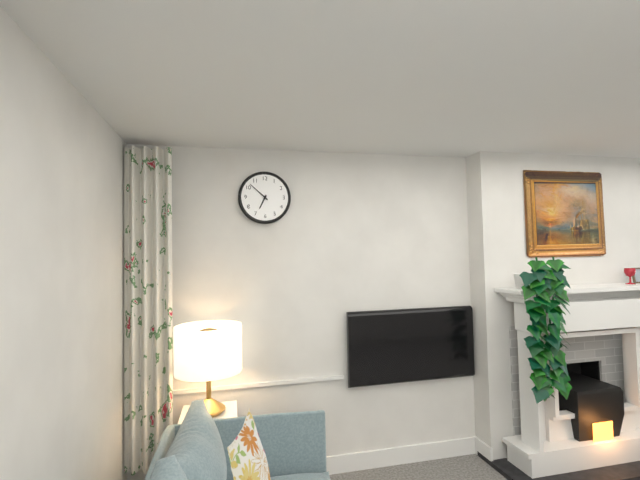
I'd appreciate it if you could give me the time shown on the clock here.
6:52
